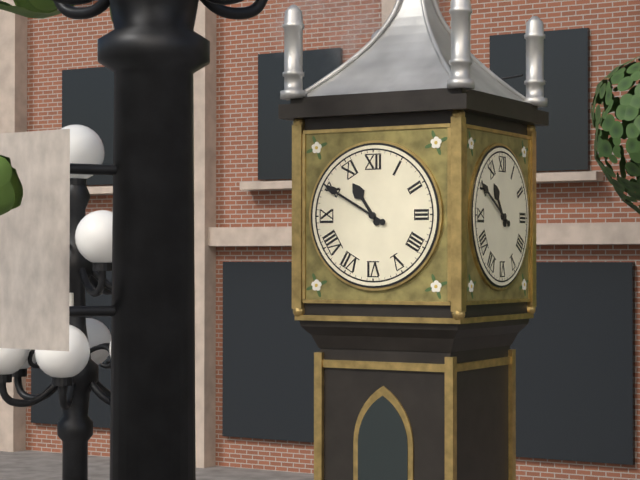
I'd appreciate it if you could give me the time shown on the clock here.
10:50
